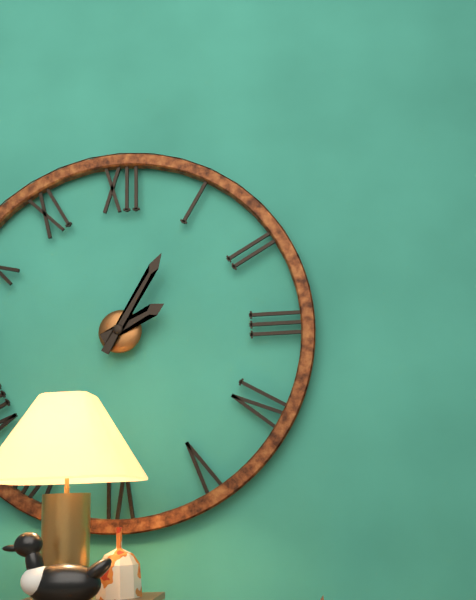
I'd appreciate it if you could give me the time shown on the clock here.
2:05
